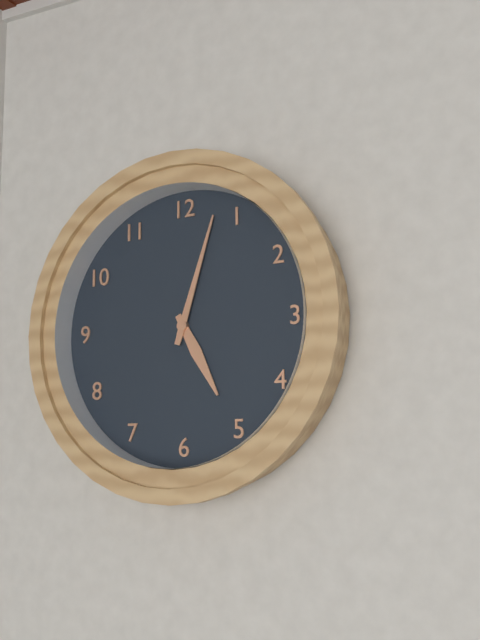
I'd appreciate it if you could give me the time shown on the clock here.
5:03
